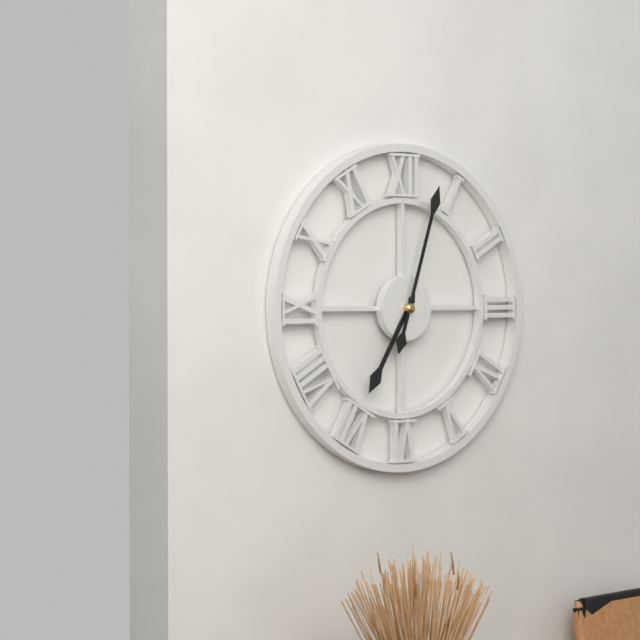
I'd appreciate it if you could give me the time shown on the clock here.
7:03
